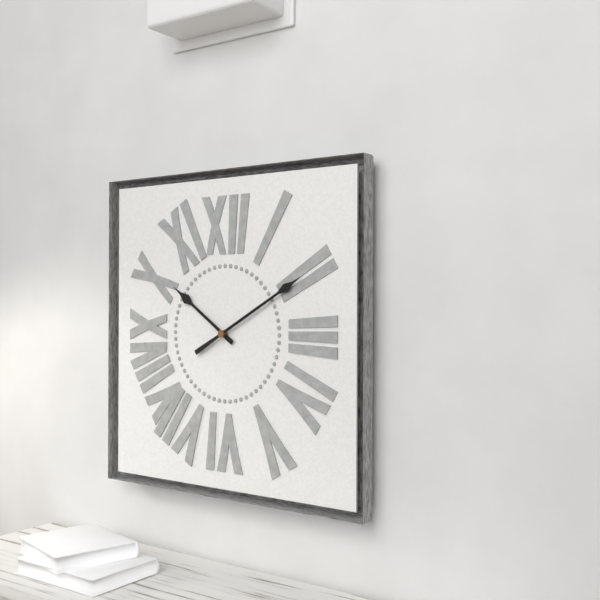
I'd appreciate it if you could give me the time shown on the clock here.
10:10
